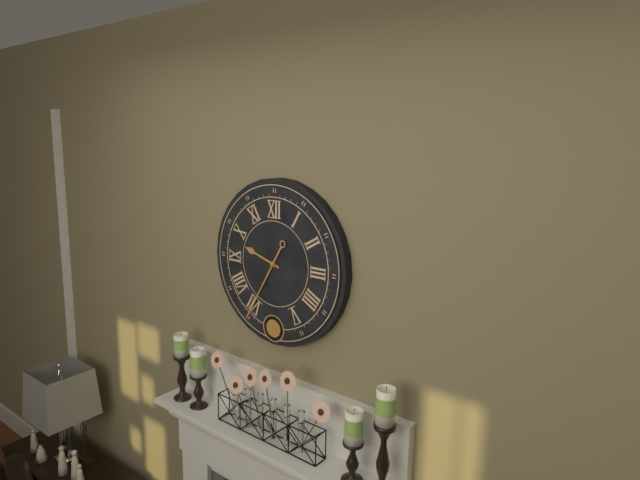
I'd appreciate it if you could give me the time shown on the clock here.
9:35
